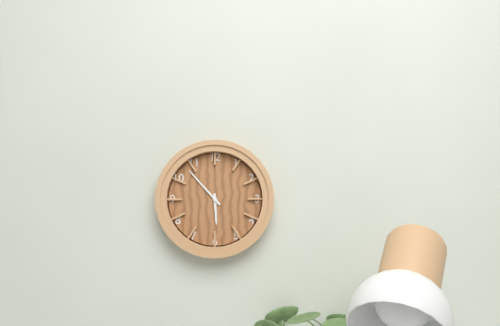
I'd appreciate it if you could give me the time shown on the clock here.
5:53
